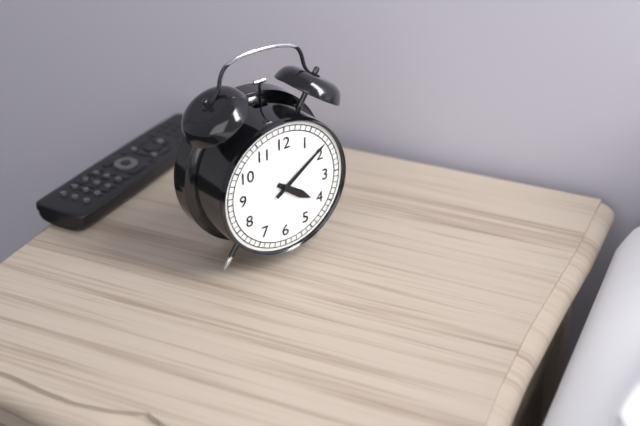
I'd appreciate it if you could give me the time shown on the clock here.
4:09
